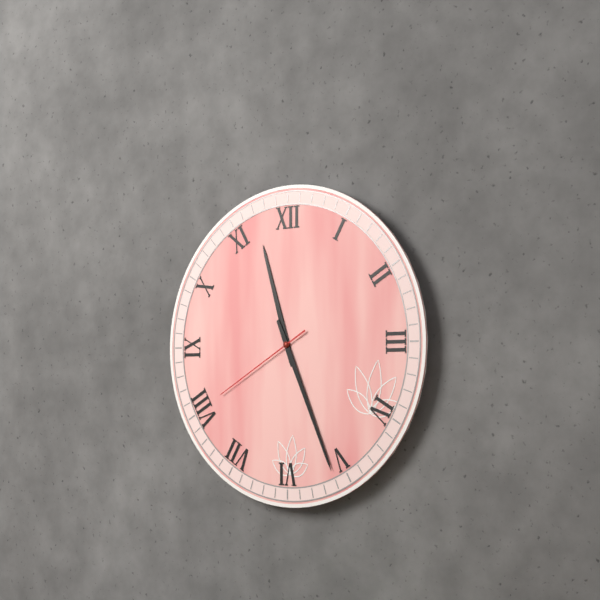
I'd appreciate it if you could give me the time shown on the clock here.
11:26:40
